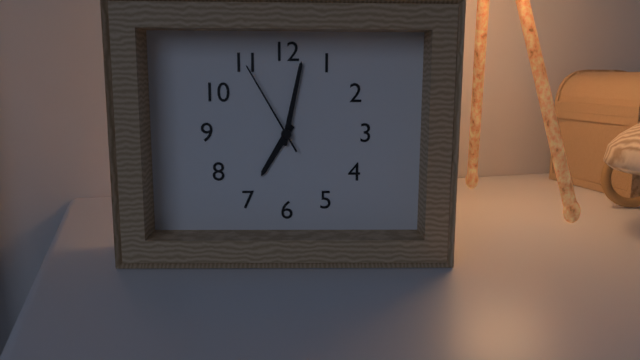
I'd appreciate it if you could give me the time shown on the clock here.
7:02:55
